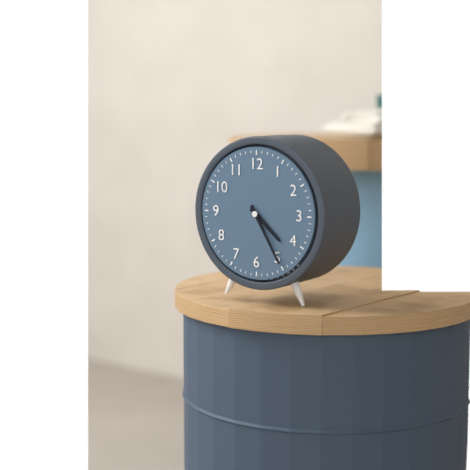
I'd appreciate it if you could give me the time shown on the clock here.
4:25
